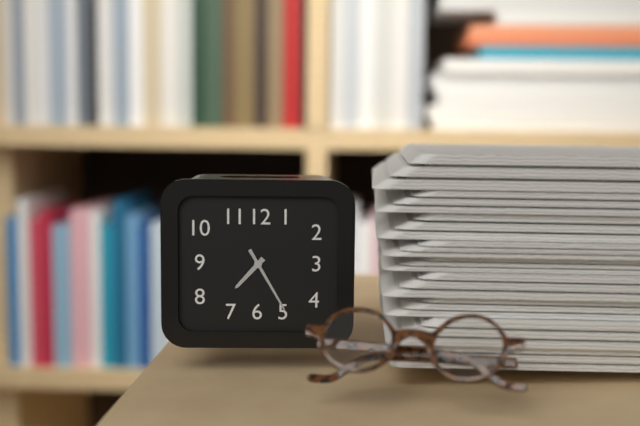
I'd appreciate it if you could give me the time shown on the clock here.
7:25
